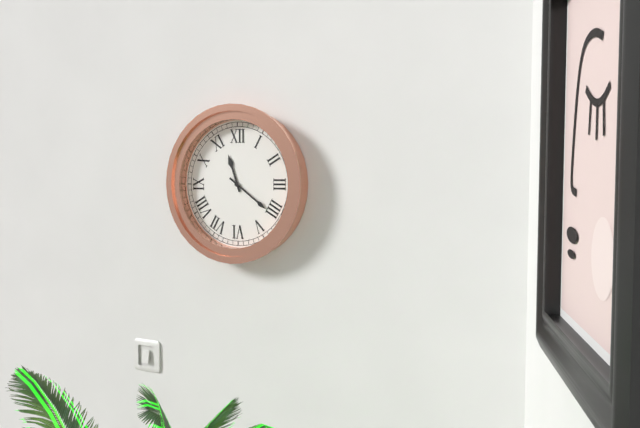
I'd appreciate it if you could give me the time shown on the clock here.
11:21
